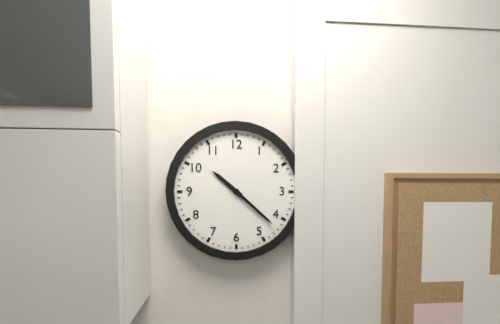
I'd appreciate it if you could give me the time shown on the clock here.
10:22
